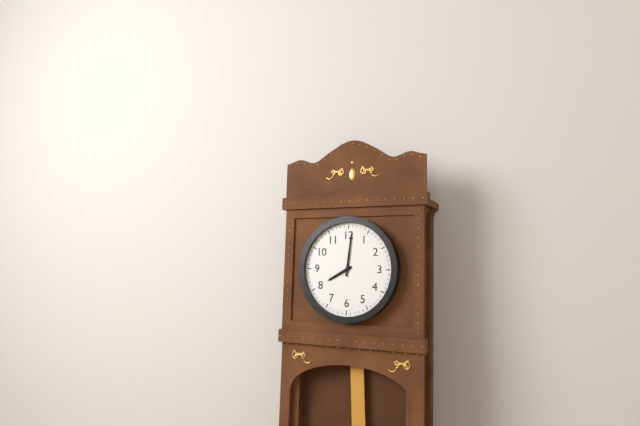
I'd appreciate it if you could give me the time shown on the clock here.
8:01
